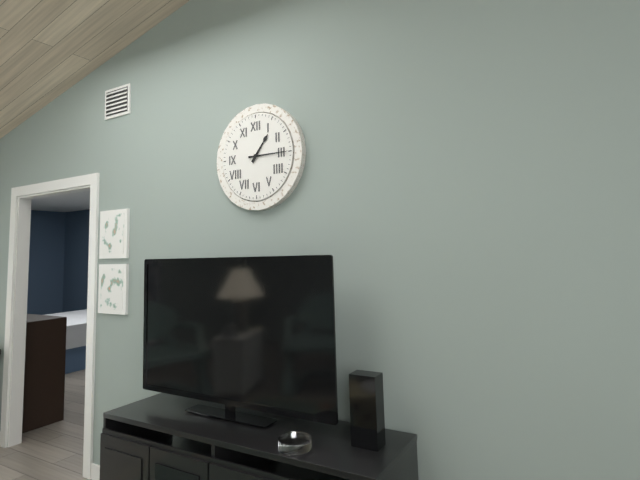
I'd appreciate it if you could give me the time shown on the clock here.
1:15
